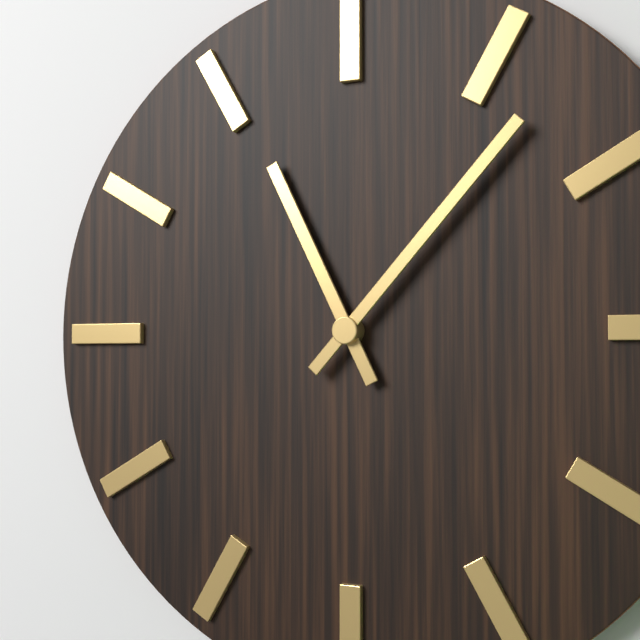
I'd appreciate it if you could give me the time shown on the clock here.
11:07
